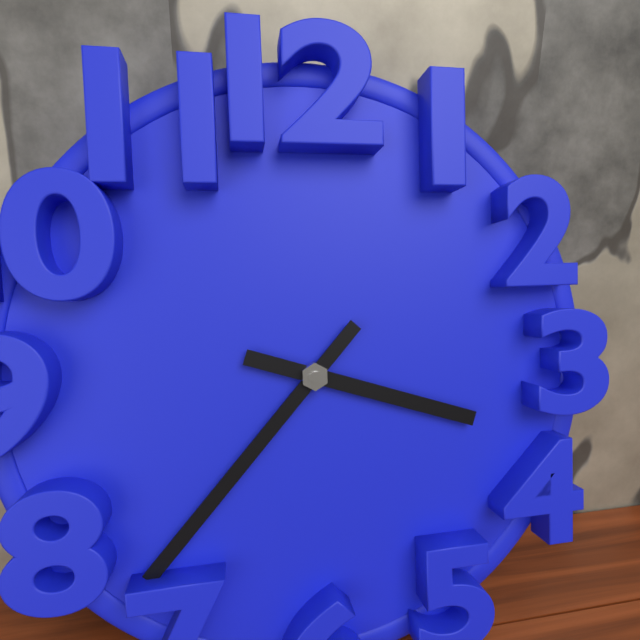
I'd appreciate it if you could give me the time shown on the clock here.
3:37
